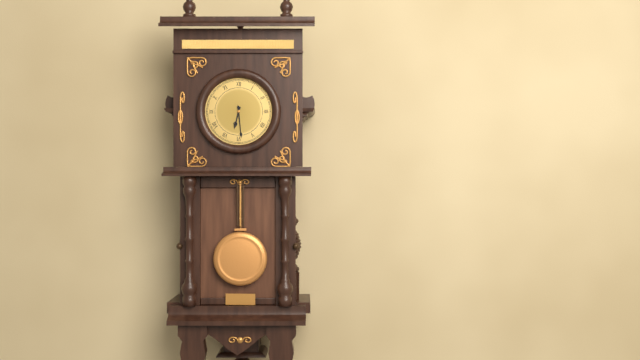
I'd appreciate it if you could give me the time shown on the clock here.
6:29
